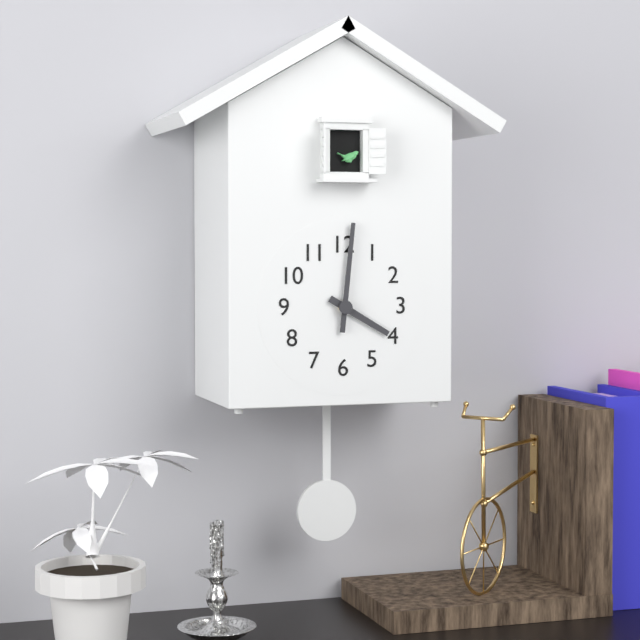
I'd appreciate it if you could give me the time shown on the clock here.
4:01
